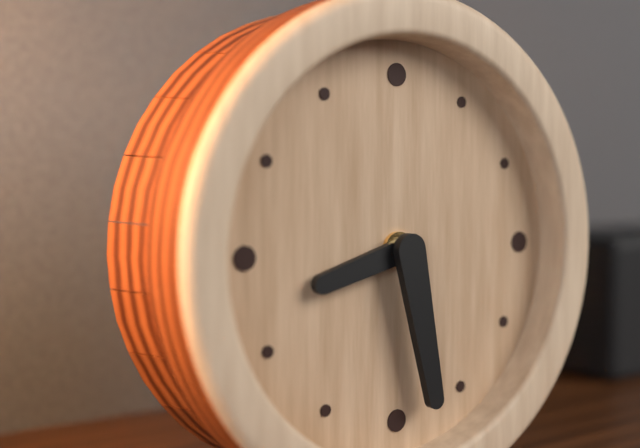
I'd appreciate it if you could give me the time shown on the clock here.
8:28
